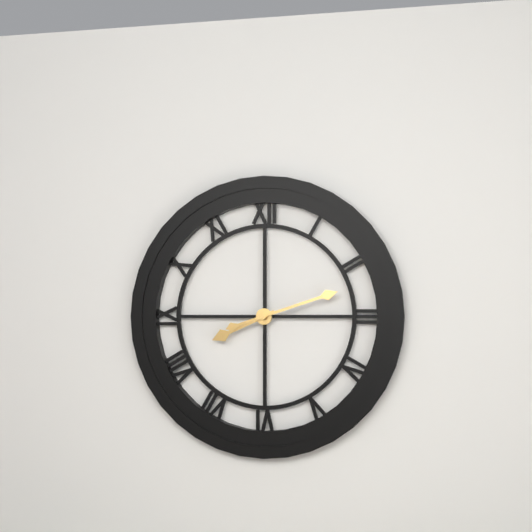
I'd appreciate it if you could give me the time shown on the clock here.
8:12
